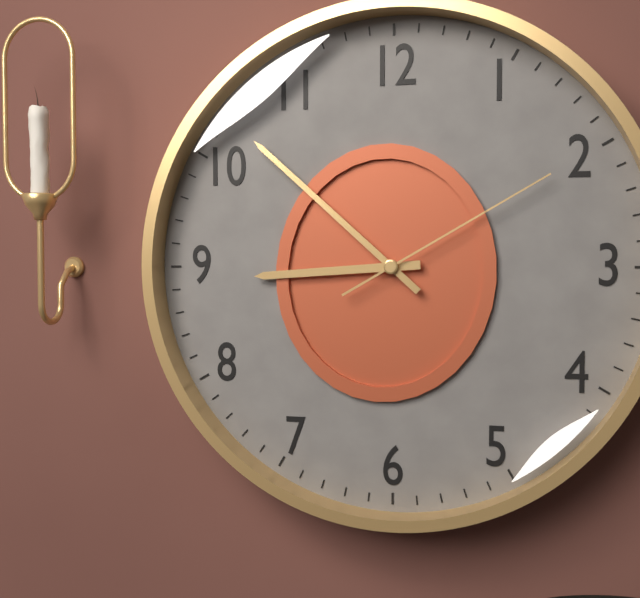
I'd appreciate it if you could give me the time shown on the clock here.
8:52:10
